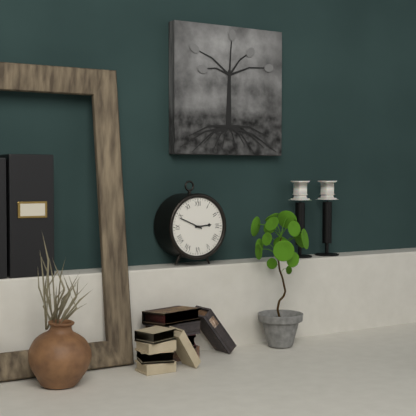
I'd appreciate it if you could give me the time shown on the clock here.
2:49
